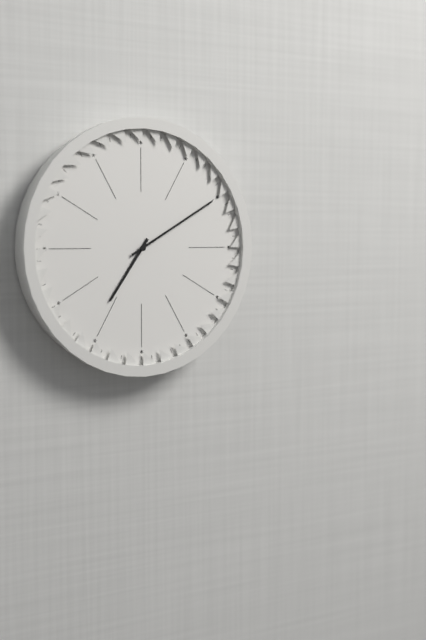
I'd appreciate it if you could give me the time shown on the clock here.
7:10
